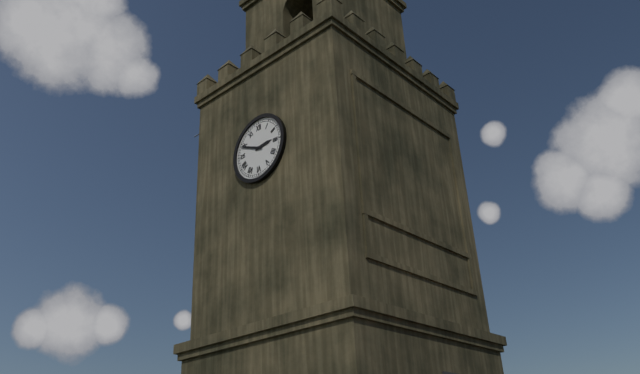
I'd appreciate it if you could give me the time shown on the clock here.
2:49
